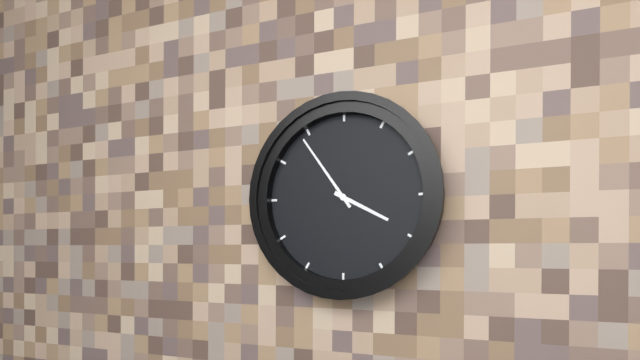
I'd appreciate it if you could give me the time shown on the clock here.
3:54
